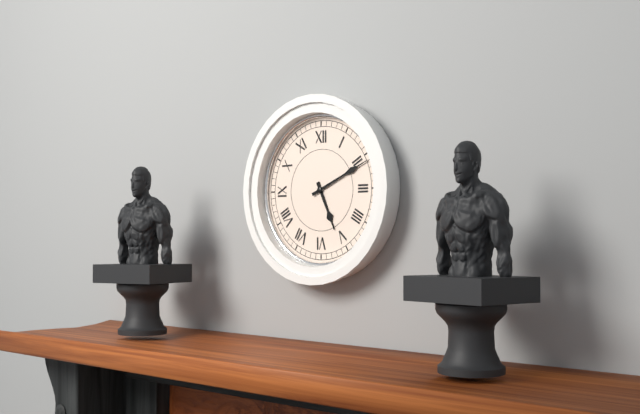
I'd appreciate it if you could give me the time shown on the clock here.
5:11
